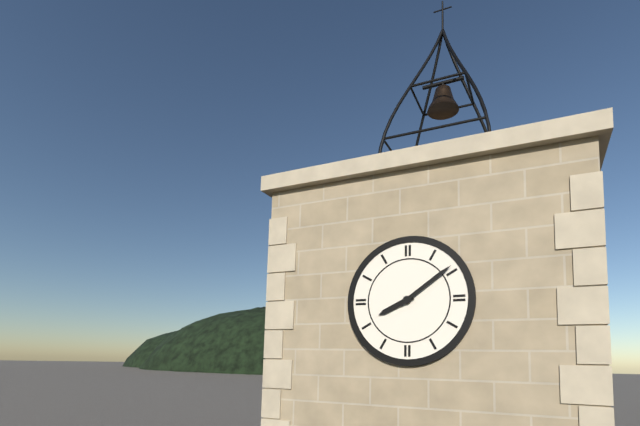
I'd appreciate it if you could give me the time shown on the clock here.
8:09
